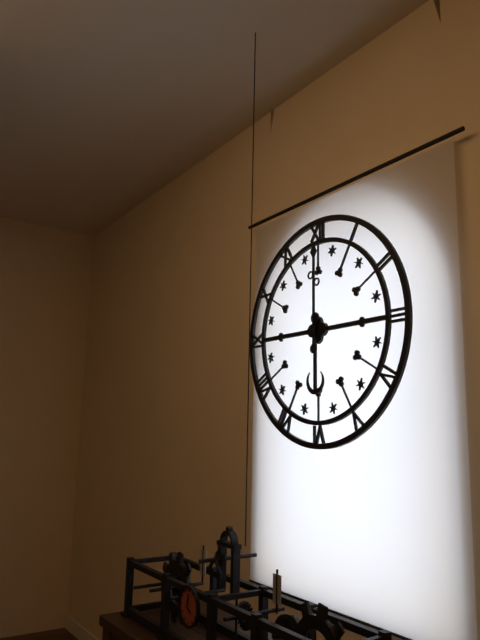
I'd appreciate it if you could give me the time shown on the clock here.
6:00
